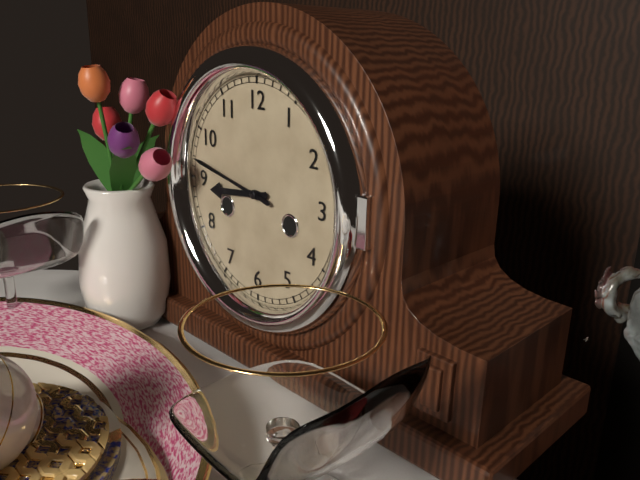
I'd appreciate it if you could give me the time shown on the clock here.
8:47
